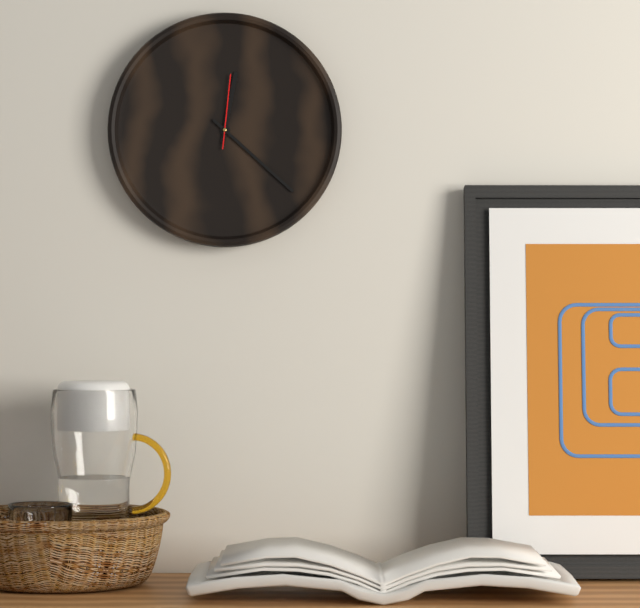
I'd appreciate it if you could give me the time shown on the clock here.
12:22:01
